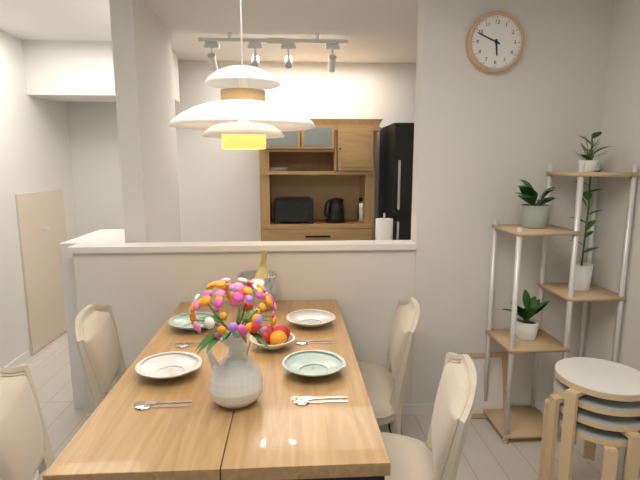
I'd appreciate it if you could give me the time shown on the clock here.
5:49
